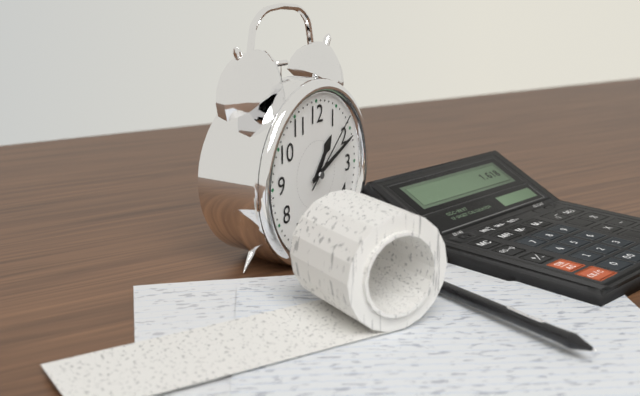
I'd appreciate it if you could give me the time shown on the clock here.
1:11:08
